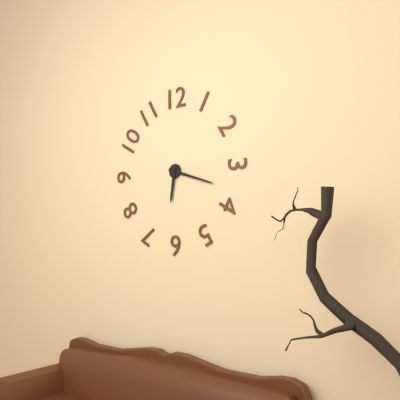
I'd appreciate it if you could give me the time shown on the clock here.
6:18
